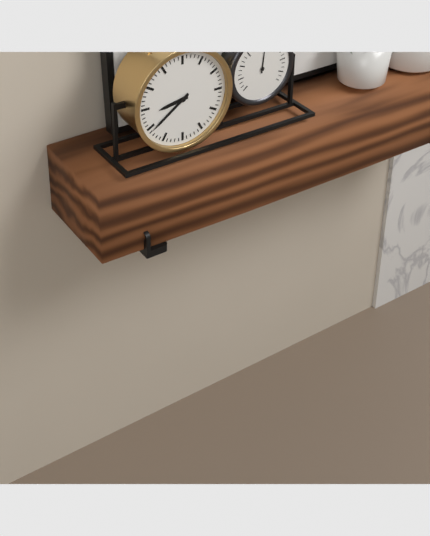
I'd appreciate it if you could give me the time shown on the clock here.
8:39
